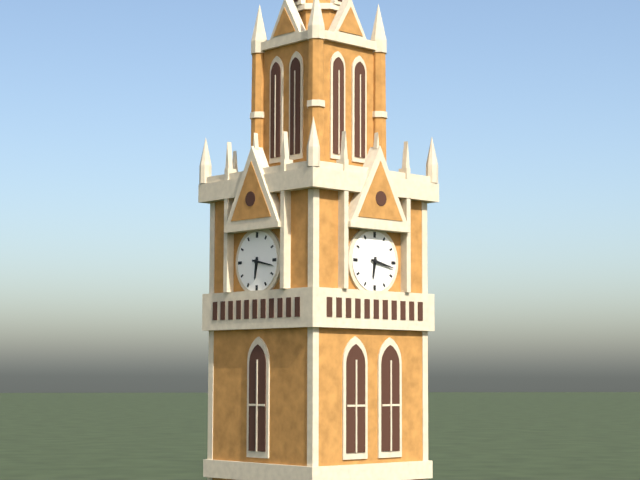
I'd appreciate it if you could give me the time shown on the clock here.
6:17
